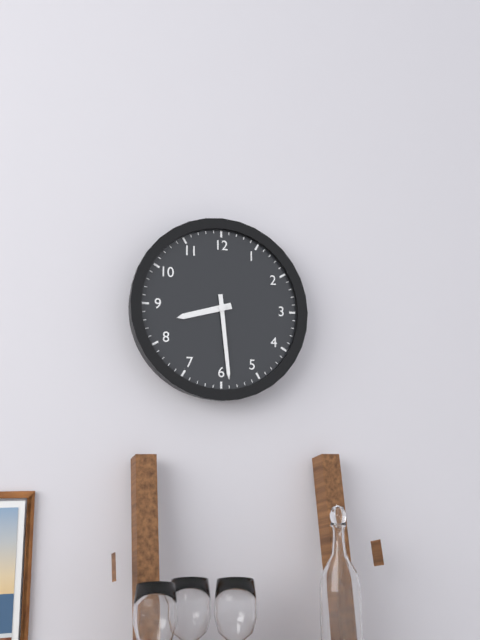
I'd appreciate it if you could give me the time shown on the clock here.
8:29
